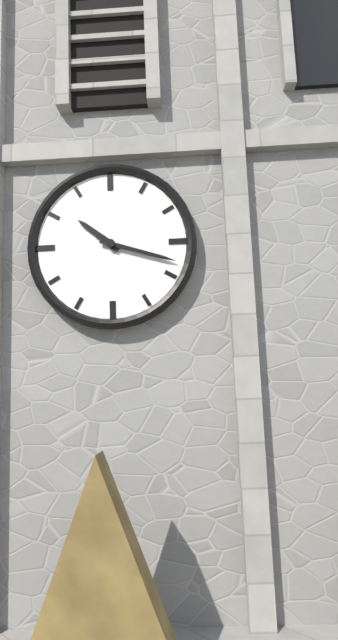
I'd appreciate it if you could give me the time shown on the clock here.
10:18
